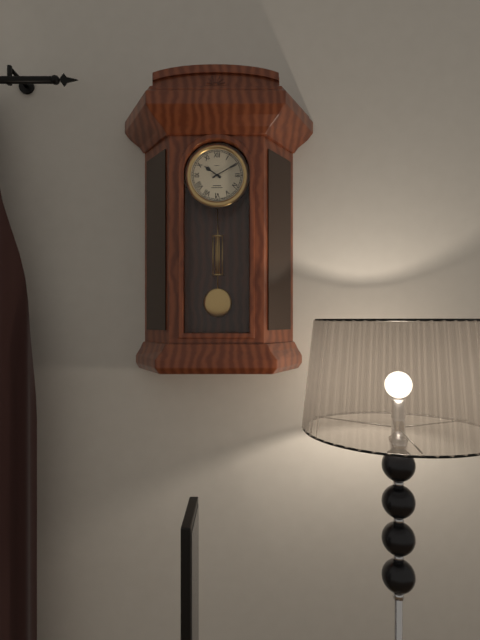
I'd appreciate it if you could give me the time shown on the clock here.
10:10
